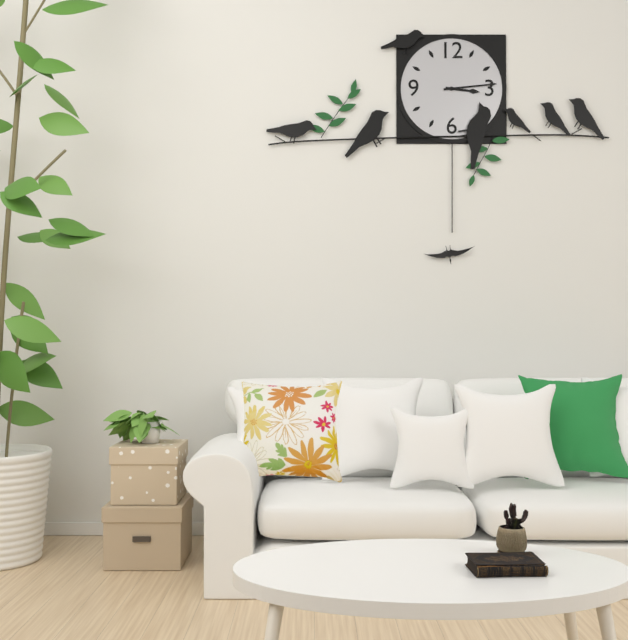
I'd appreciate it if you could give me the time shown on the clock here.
3:14
